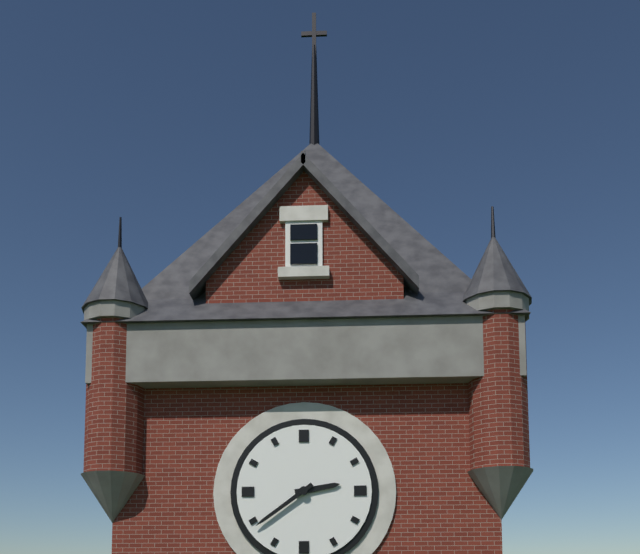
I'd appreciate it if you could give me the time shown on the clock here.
2:39
